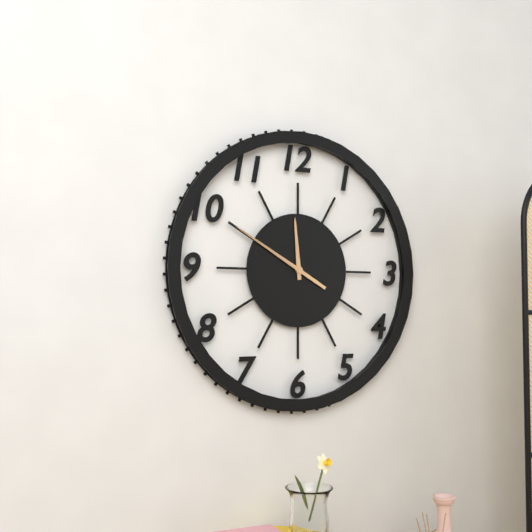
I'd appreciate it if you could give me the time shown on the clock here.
11:50
